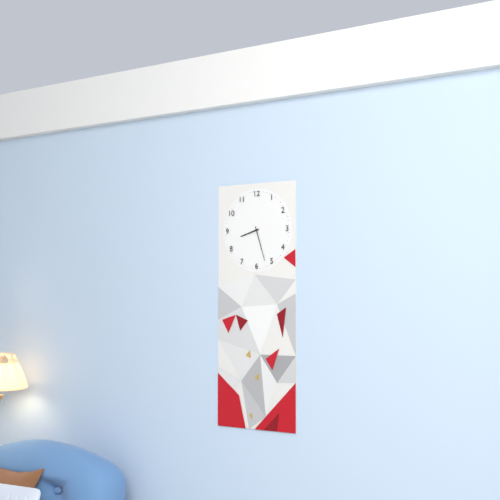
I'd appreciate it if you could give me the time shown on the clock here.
8:27
